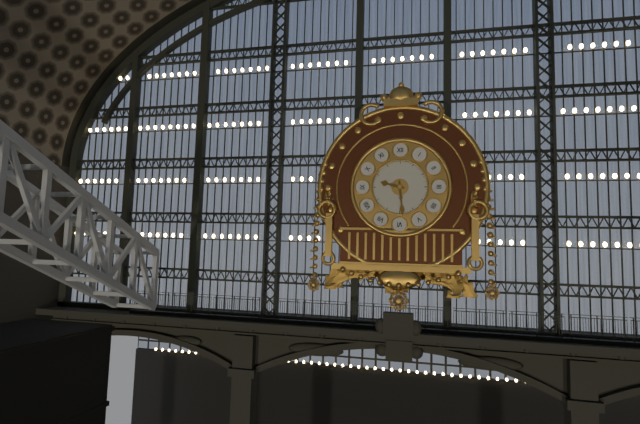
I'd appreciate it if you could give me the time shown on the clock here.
9:29
